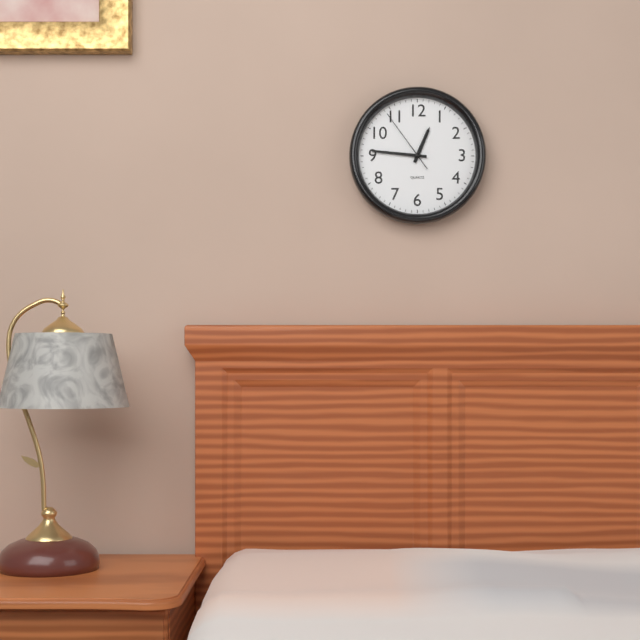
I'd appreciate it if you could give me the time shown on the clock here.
12:46:54
